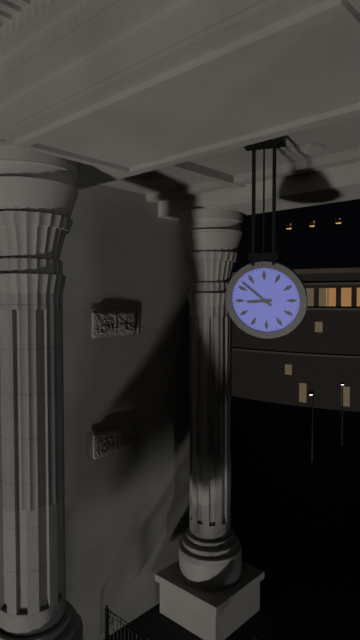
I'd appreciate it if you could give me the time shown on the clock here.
8:52
